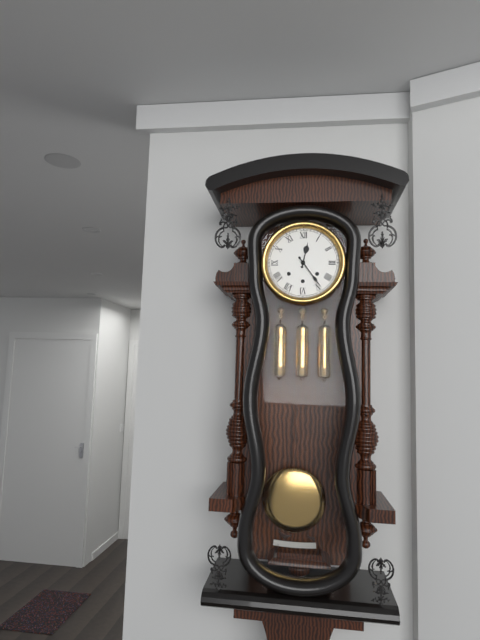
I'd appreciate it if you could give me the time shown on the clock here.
12:24
